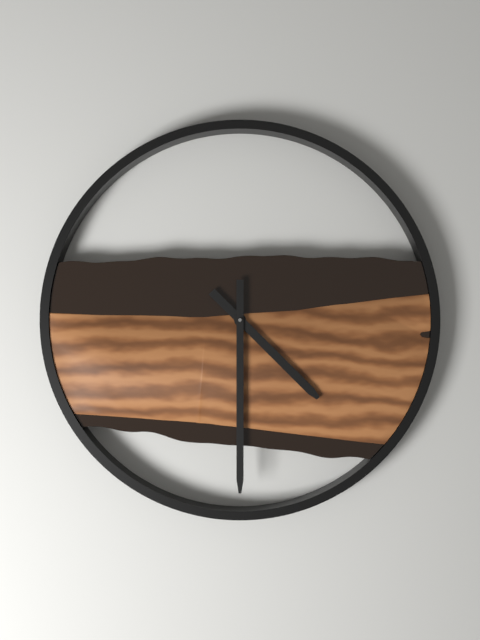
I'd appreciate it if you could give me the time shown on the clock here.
4:30
